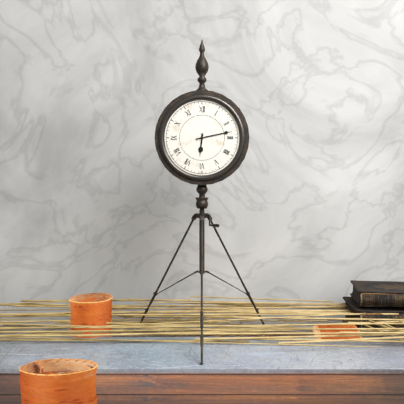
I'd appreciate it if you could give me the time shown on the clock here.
6:13
